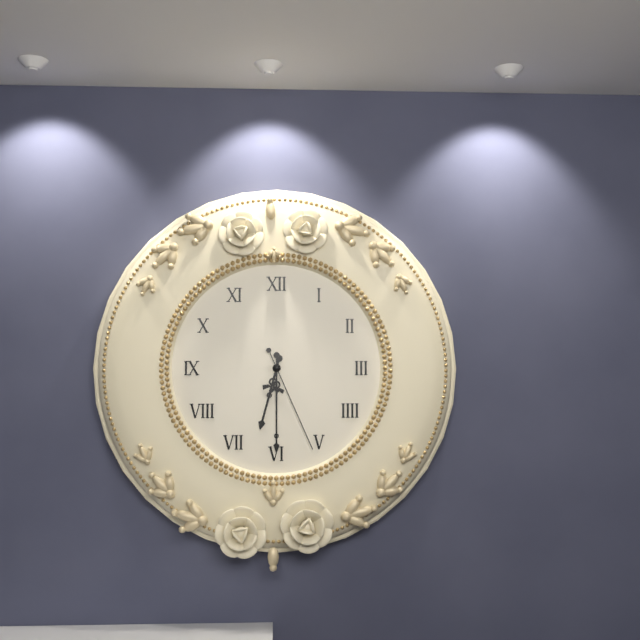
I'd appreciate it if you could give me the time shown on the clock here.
6:30:26
